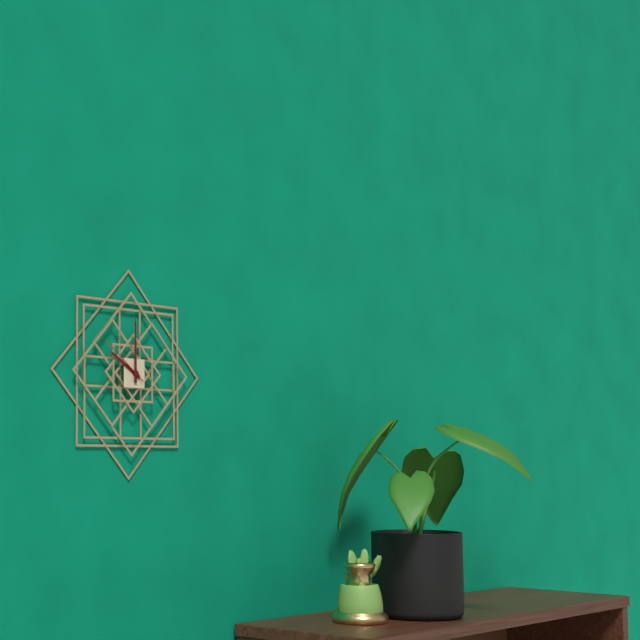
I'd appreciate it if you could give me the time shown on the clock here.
10:00:51
